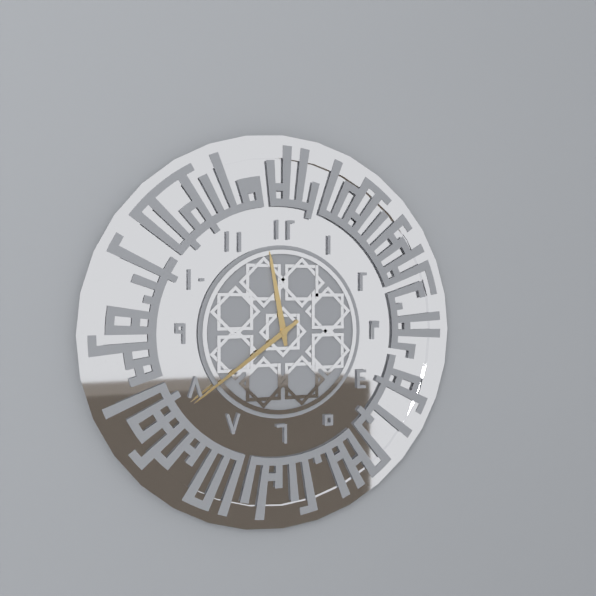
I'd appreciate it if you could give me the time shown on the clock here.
11:39
